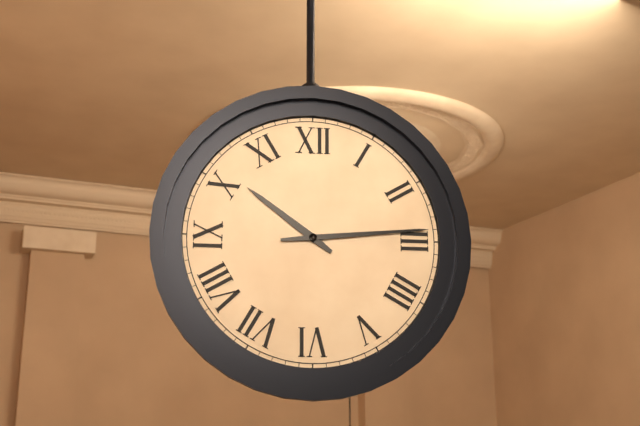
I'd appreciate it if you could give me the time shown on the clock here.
10:14
